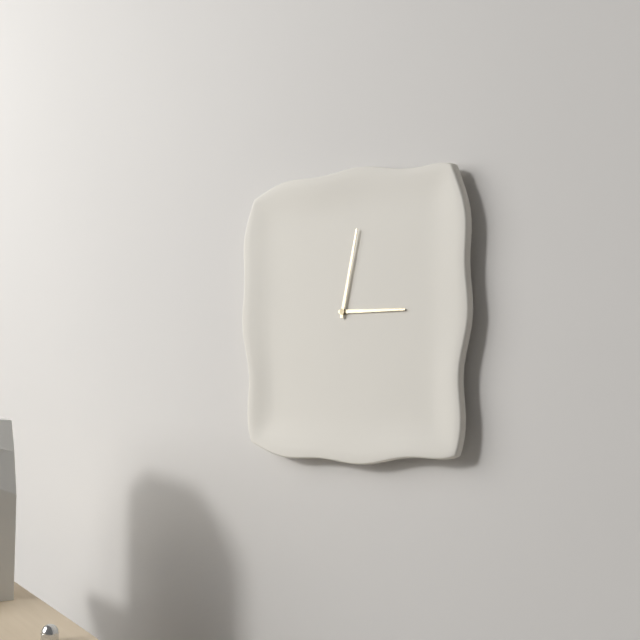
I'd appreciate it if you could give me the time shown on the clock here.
3:02
